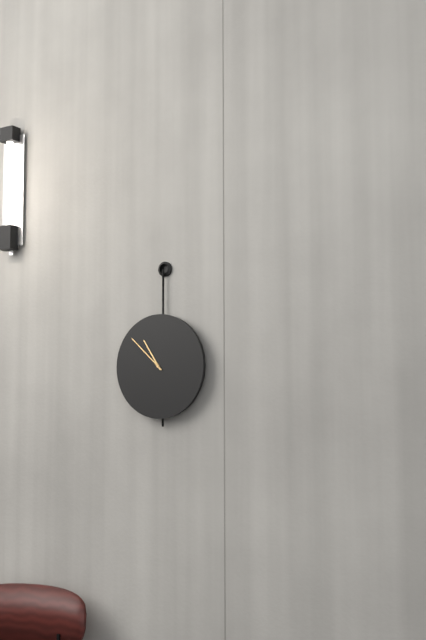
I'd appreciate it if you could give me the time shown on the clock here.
10:52
